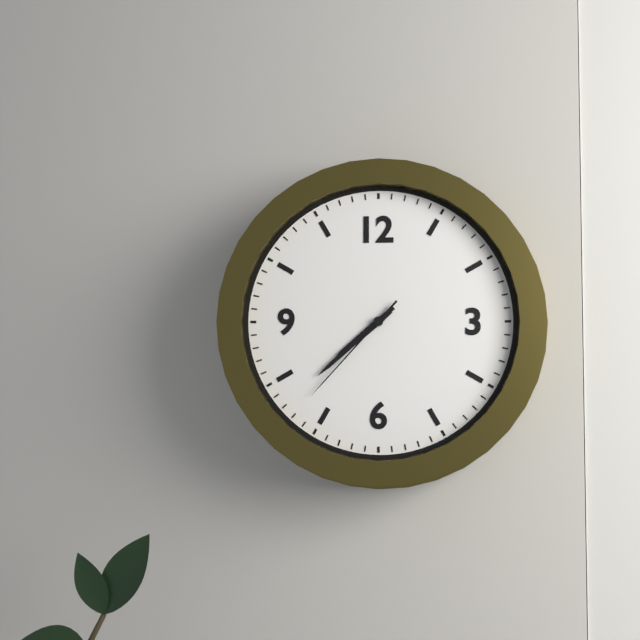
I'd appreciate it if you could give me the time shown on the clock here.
7:38:37
